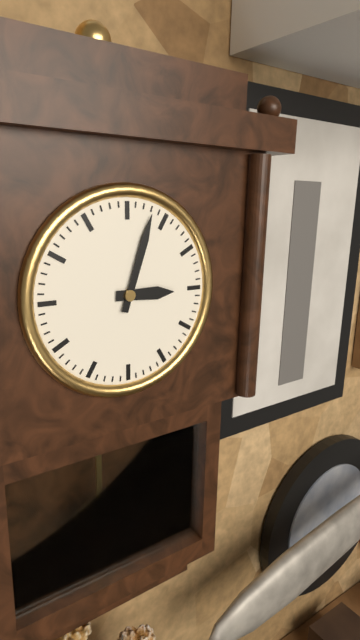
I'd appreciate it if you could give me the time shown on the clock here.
3:03
